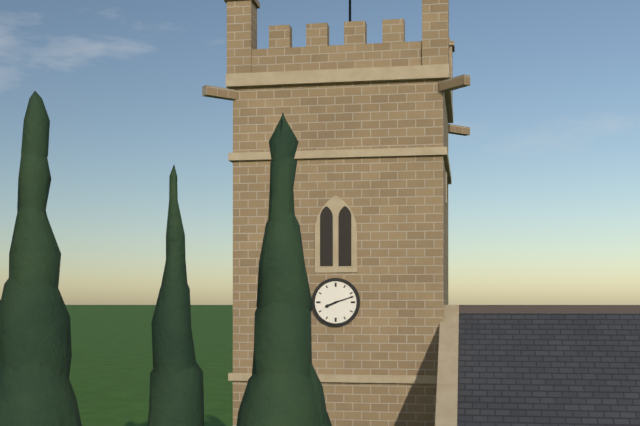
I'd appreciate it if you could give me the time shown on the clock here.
8:12
